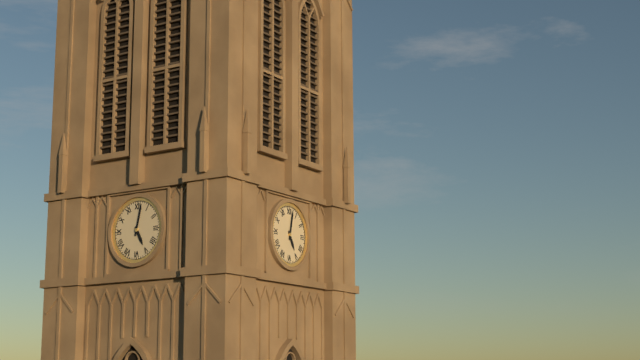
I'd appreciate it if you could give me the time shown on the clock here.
5:02
